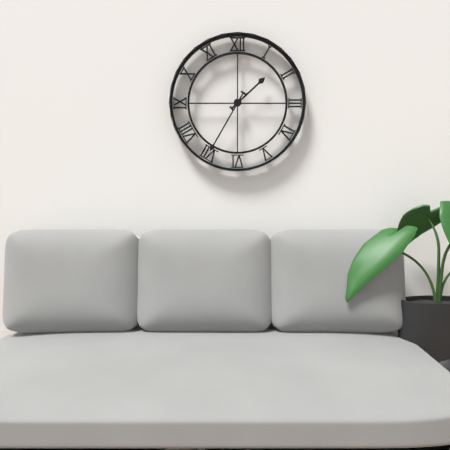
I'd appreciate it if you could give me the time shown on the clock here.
1:35
